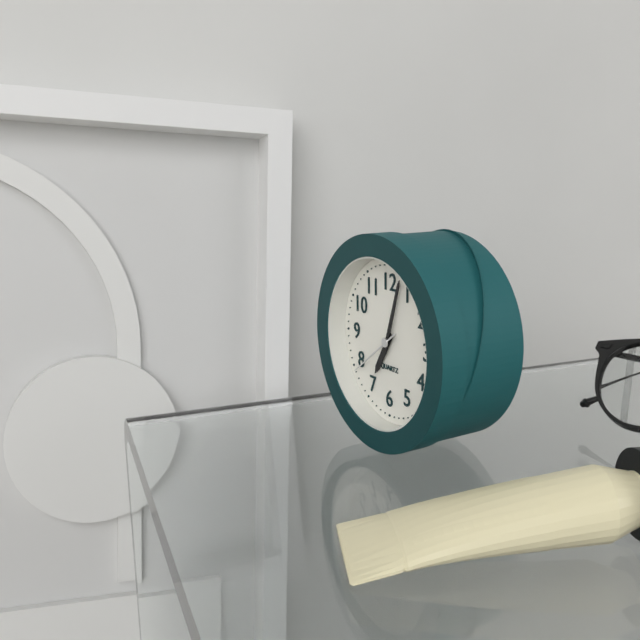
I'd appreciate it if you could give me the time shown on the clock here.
7:03:39
